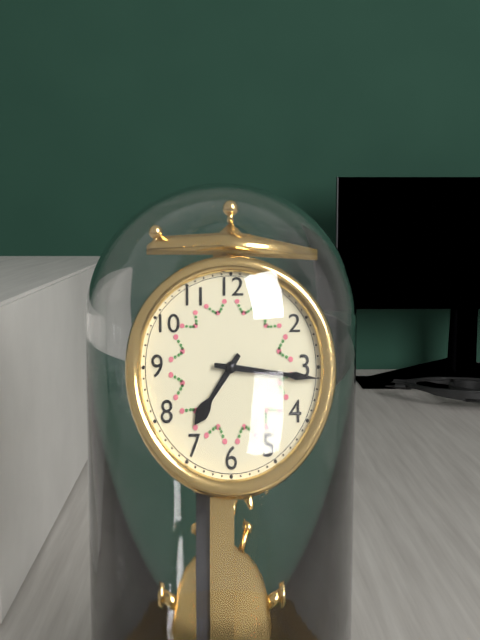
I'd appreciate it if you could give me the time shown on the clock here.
7:16
